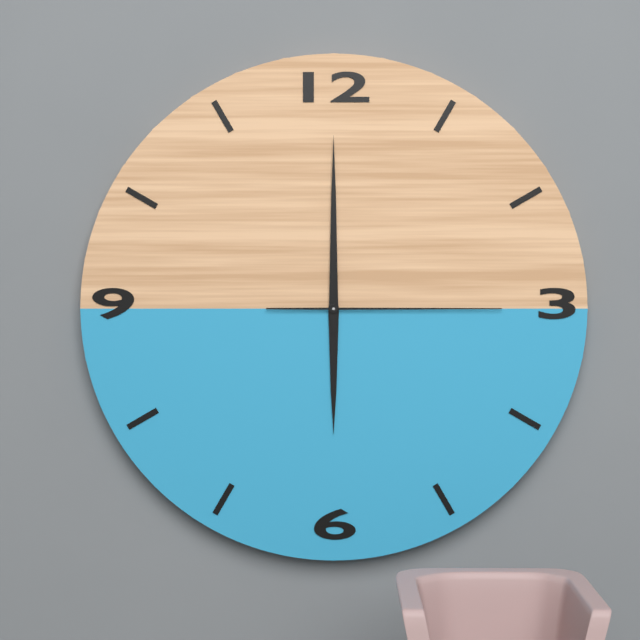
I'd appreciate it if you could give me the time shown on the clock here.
6:00:15
